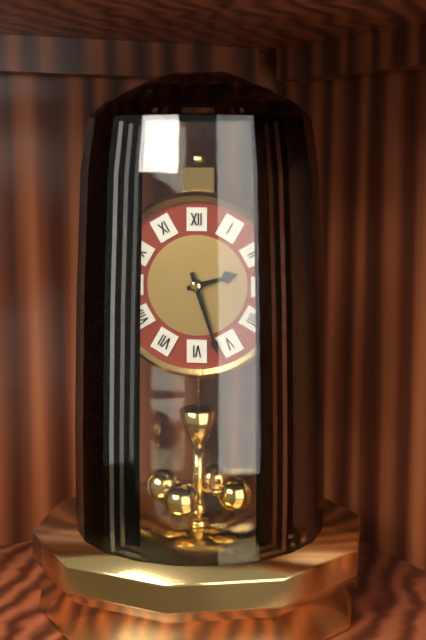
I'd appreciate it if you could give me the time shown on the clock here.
2:27
